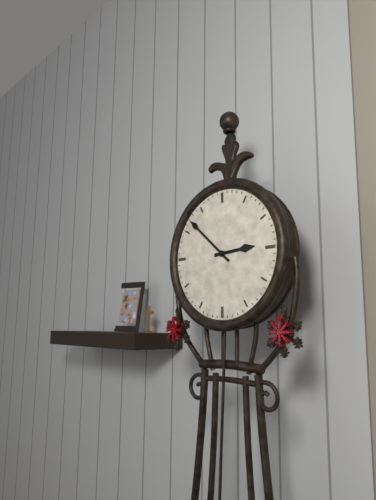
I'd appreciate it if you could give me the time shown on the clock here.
2:52
